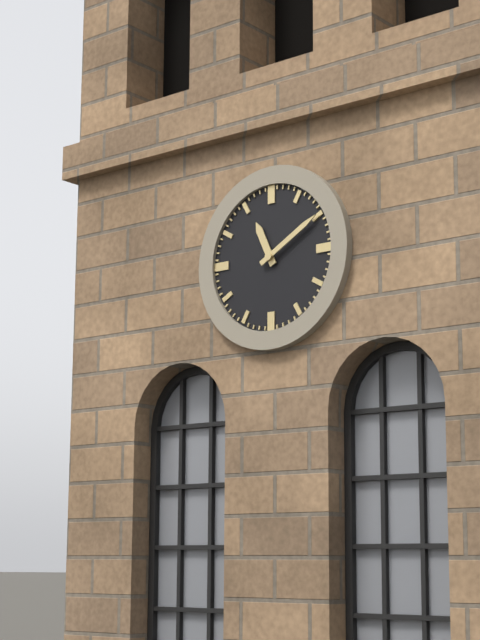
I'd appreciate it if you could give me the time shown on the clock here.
11:10
